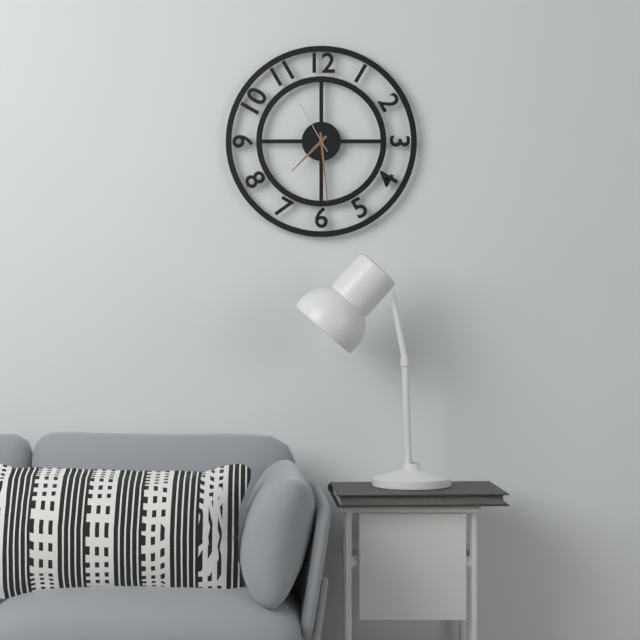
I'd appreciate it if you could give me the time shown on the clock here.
7:29:55
